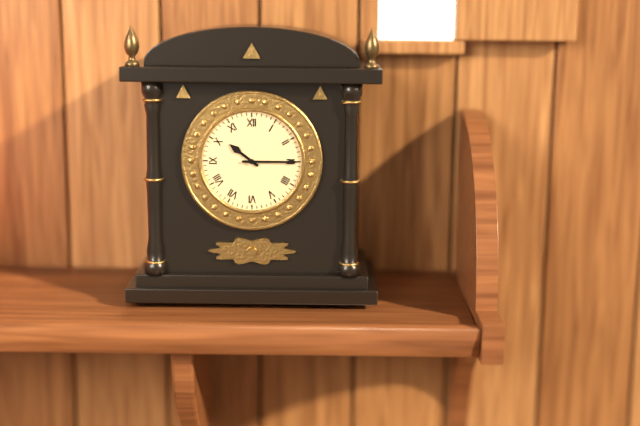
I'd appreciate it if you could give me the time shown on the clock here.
10:15
